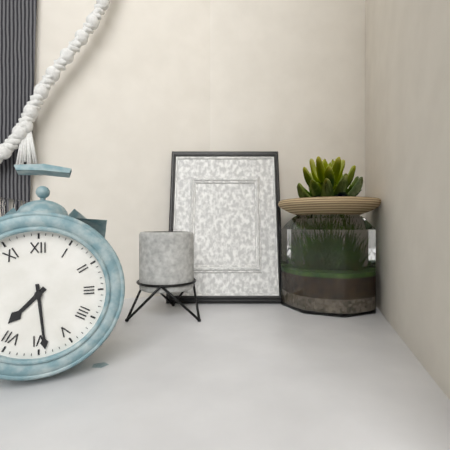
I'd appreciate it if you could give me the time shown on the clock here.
7:29
